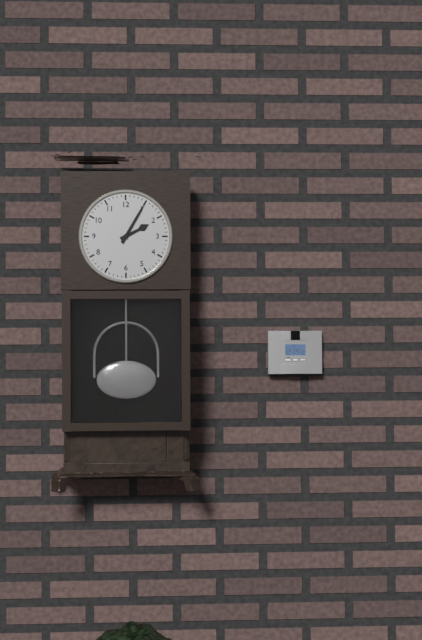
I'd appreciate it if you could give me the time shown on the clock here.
2:05
